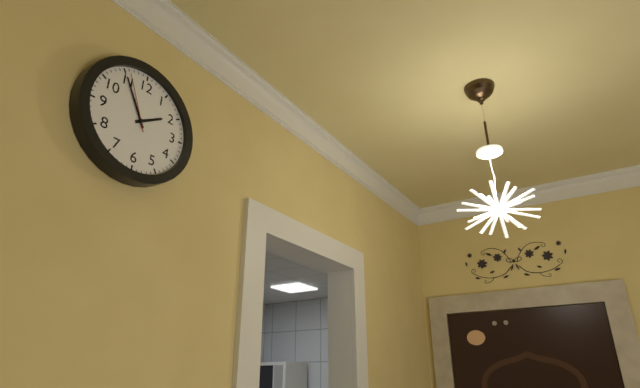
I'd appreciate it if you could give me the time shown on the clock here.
1:55:56
